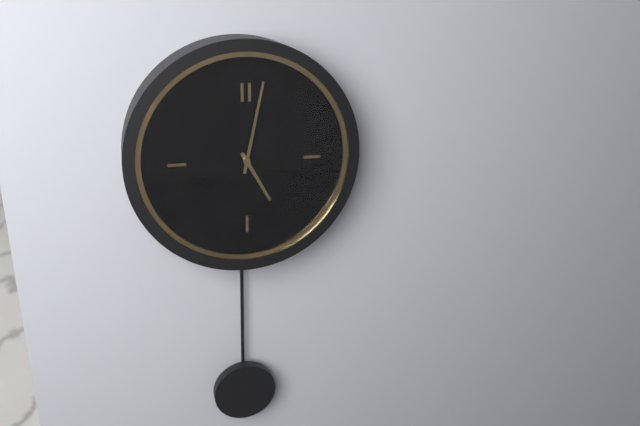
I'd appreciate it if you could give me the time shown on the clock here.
5:02
